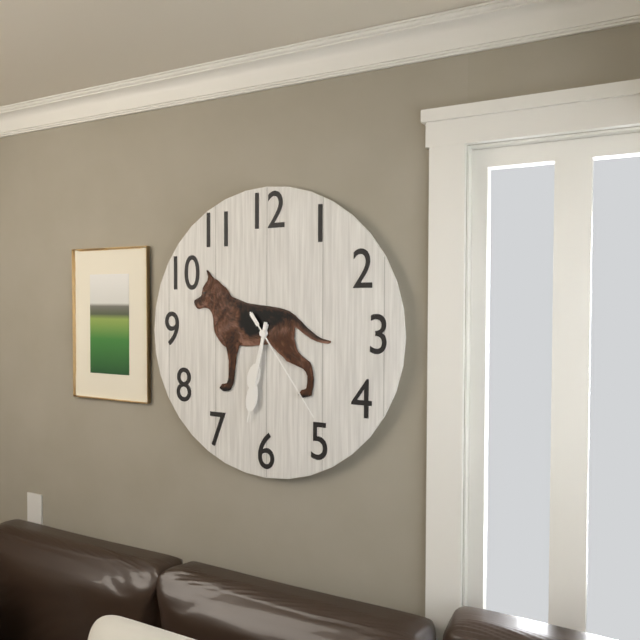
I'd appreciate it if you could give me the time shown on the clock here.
6:32:24
